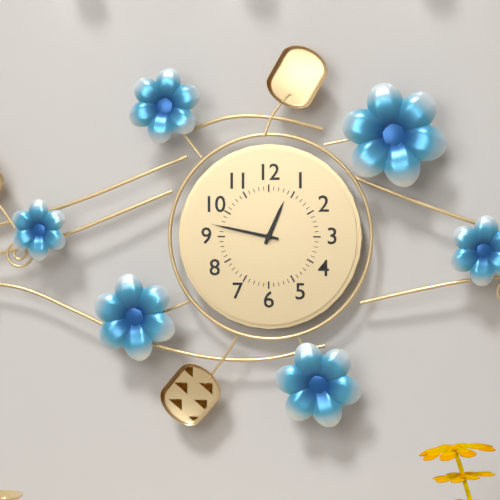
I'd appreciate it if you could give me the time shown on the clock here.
12:47
